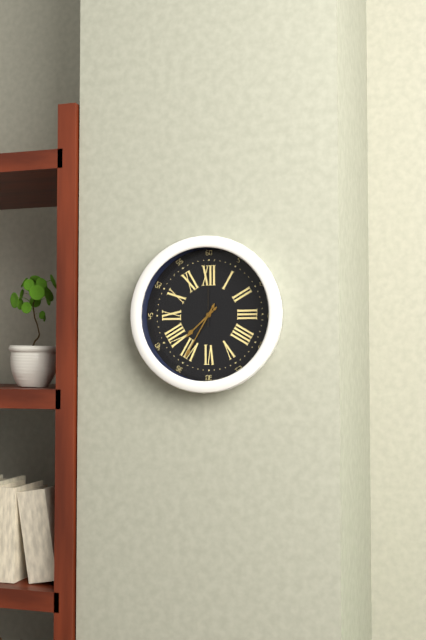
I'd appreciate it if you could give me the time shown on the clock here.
7:35:00
